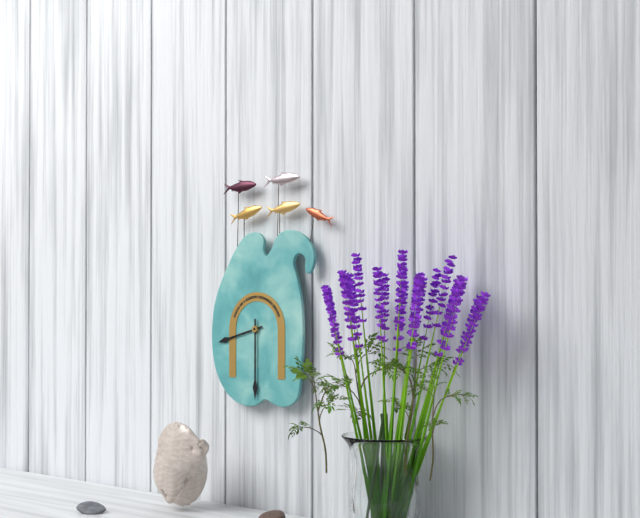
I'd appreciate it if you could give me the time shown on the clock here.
8:30
